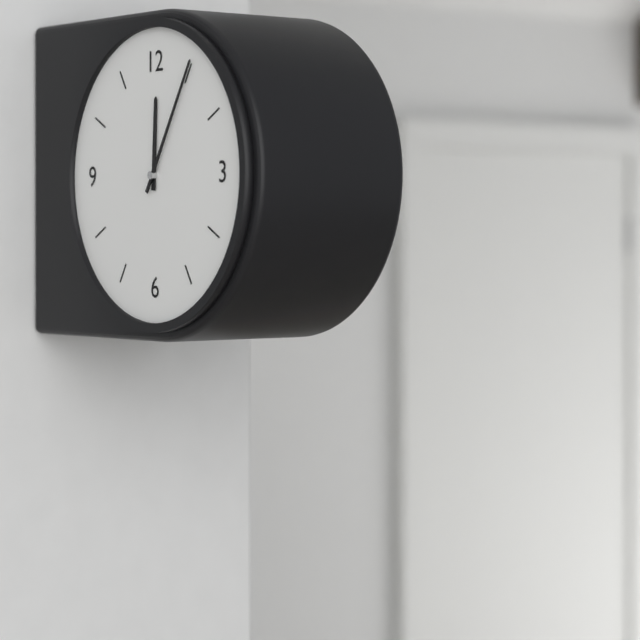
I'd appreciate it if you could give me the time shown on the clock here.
12:05
